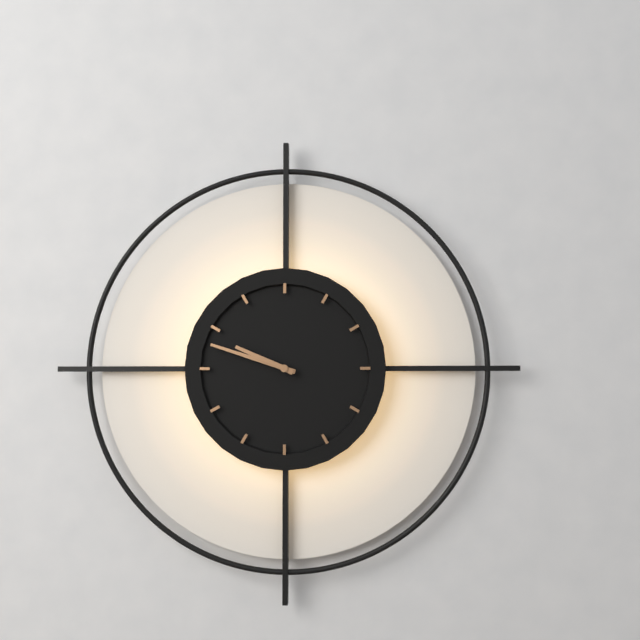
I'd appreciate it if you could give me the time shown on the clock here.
9:48
